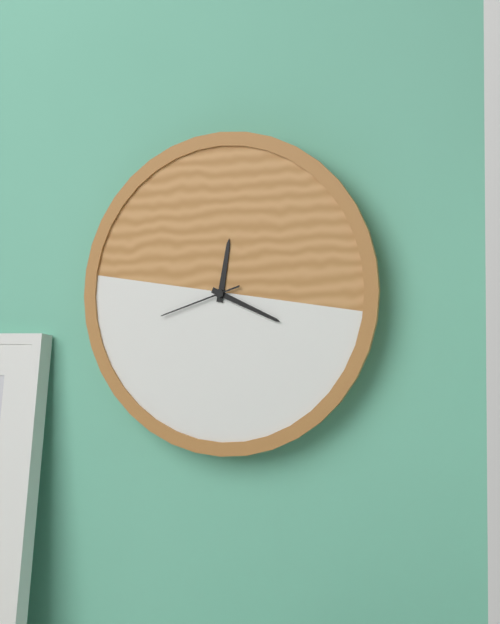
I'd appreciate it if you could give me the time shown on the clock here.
12:19:42
